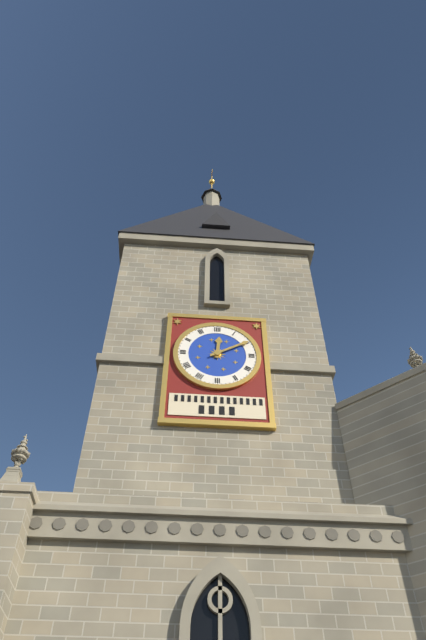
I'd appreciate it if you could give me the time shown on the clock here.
12:10
